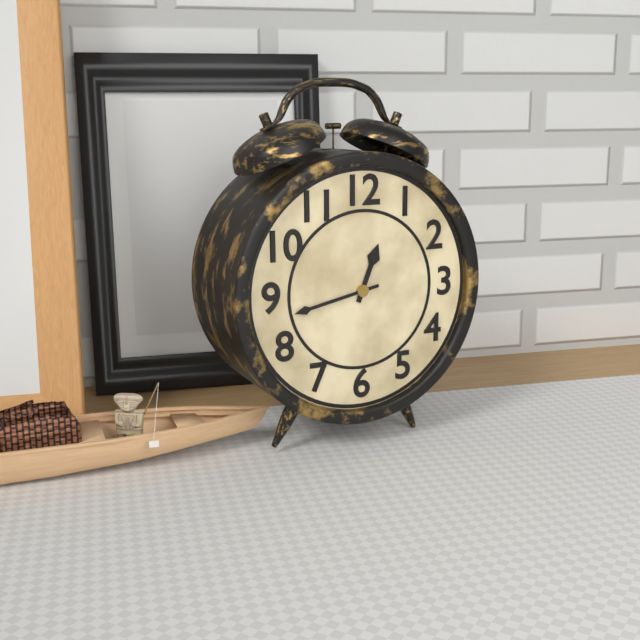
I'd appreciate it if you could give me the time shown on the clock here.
12:43
